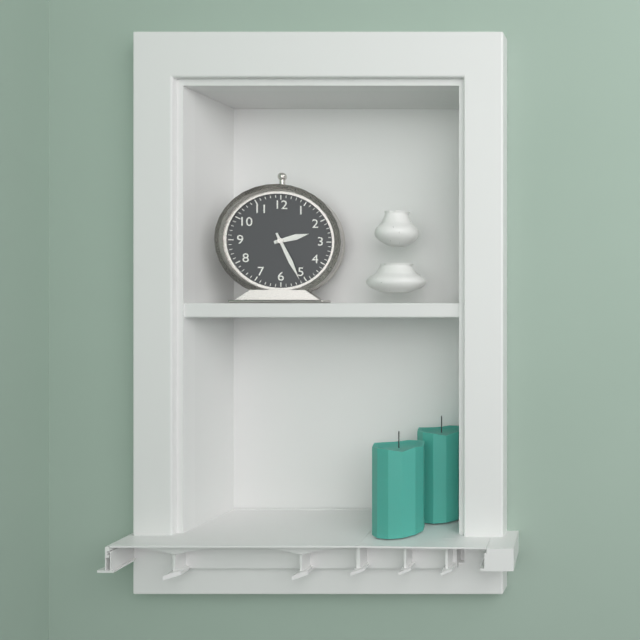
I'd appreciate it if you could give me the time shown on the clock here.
2:26
